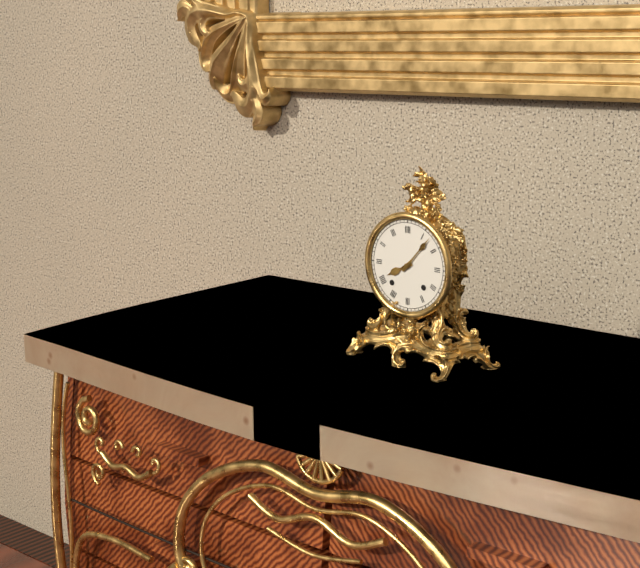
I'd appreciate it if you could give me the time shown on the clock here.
8:07
